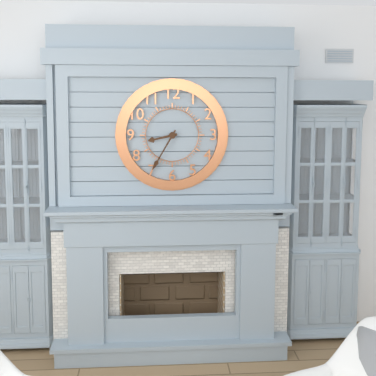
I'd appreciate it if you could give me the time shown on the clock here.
8:35
